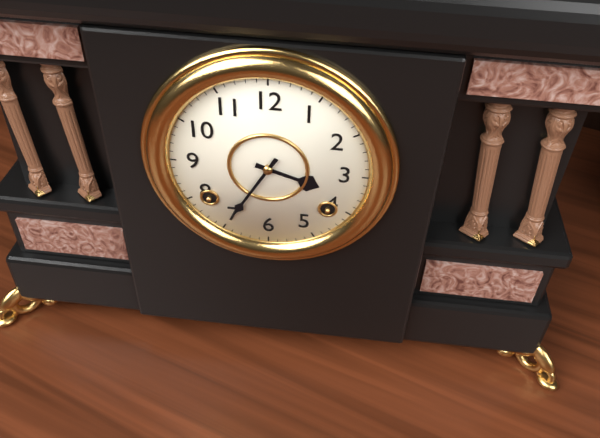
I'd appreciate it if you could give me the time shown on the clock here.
3:35
